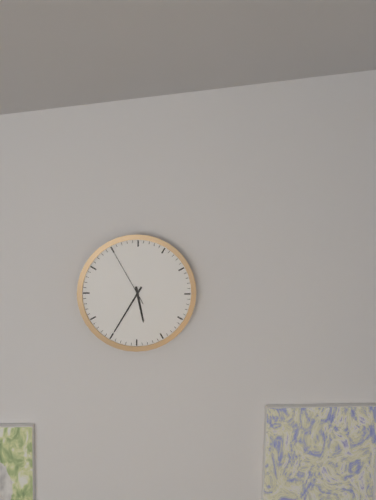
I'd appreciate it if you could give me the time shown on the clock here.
5:35:55
